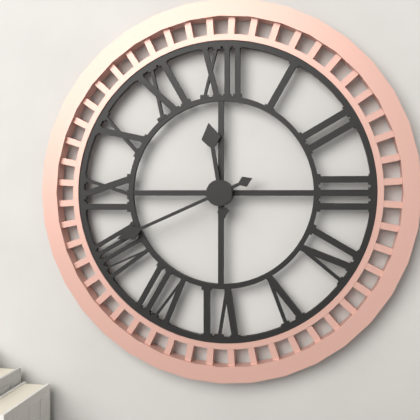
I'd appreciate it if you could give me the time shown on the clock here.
11:41
